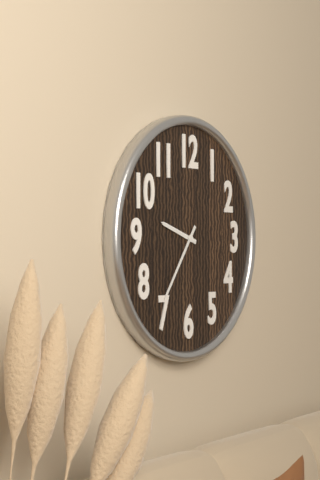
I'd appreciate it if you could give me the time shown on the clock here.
9:36
